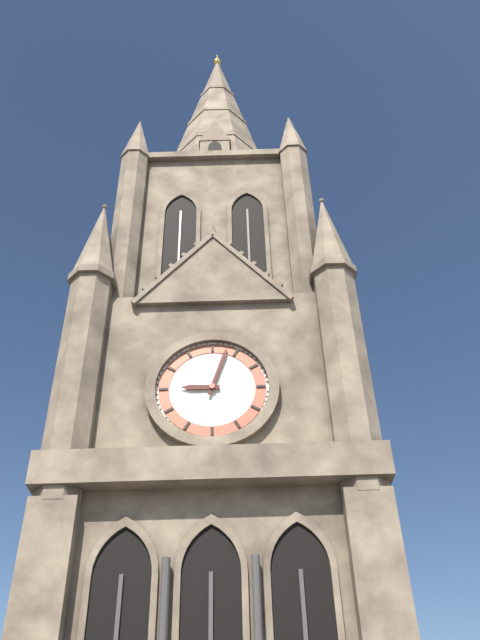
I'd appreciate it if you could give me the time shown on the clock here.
9:03
